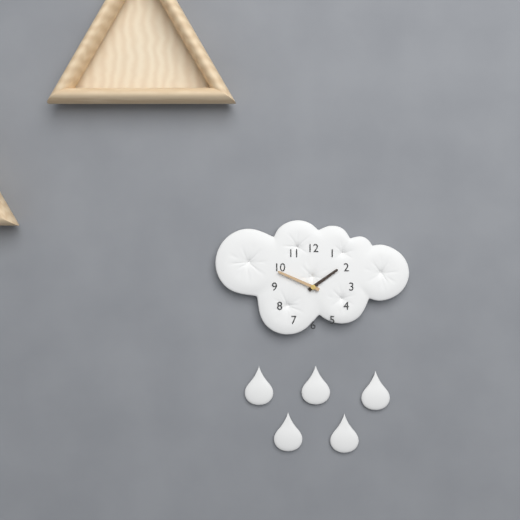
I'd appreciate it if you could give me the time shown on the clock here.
1:49
